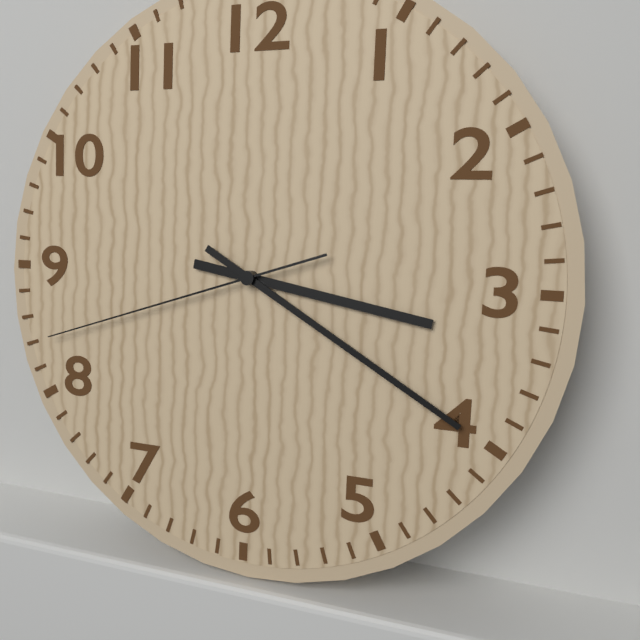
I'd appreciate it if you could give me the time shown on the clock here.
3:20:42
